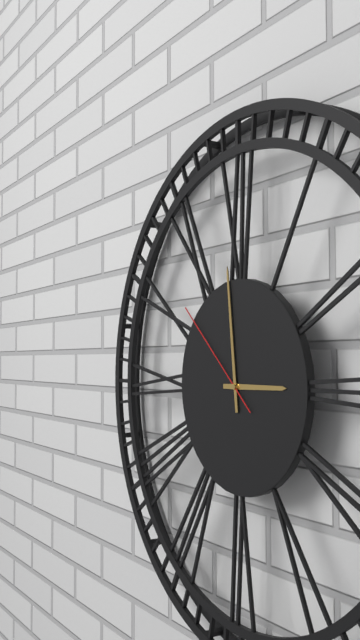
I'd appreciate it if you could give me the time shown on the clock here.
2:59:52
